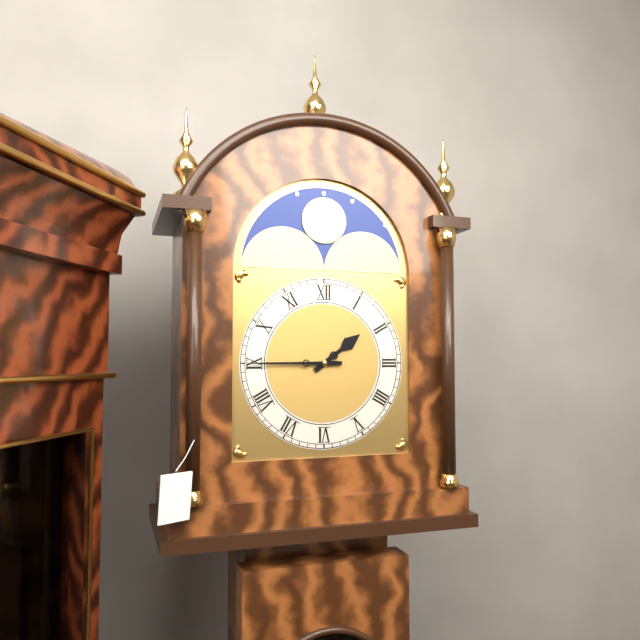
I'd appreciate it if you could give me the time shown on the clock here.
1:45
